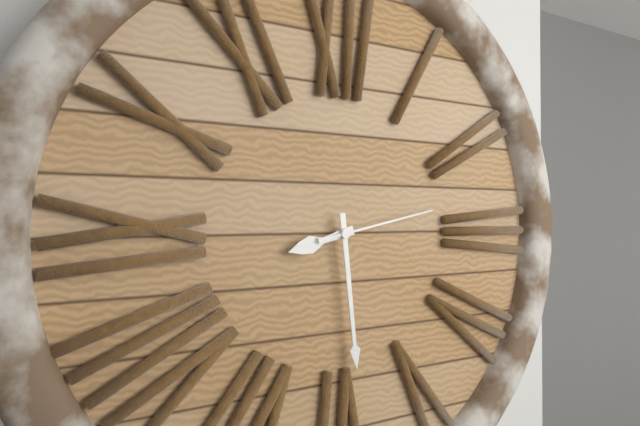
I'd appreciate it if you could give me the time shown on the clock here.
8:29:13
